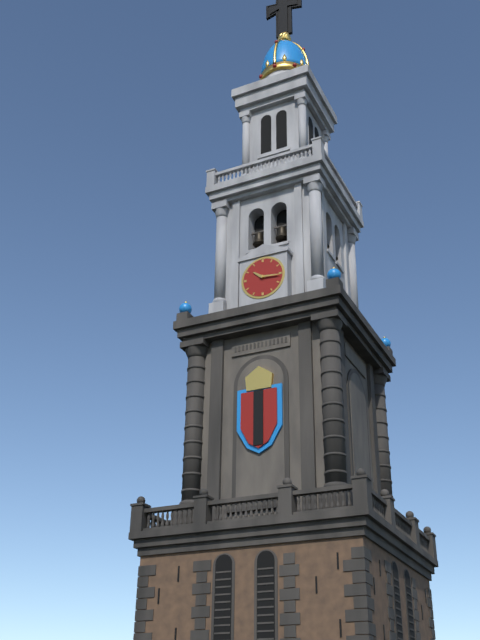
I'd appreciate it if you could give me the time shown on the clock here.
10:16
